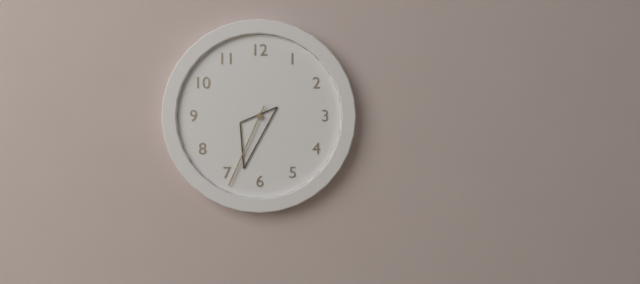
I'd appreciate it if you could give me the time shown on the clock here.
6:34
